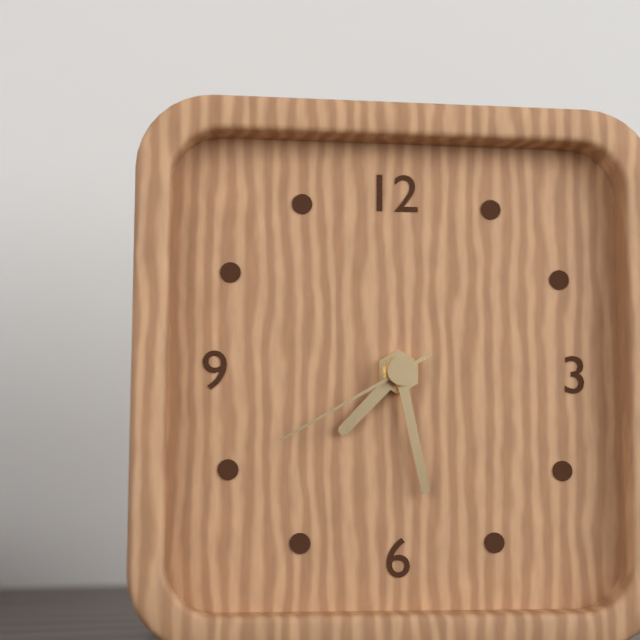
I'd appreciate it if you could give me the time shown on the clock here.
7:28:40
